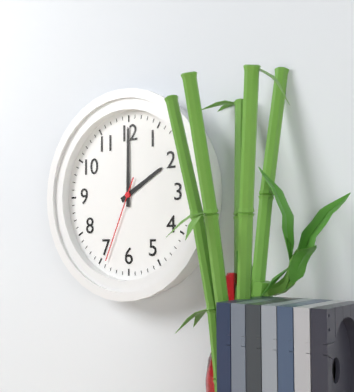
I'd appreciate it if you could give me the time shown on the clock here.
2:00:34
